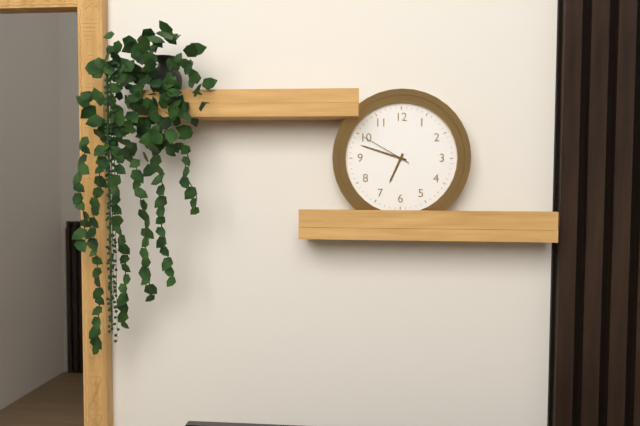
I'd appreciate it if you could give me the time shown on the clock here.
6:48:50
